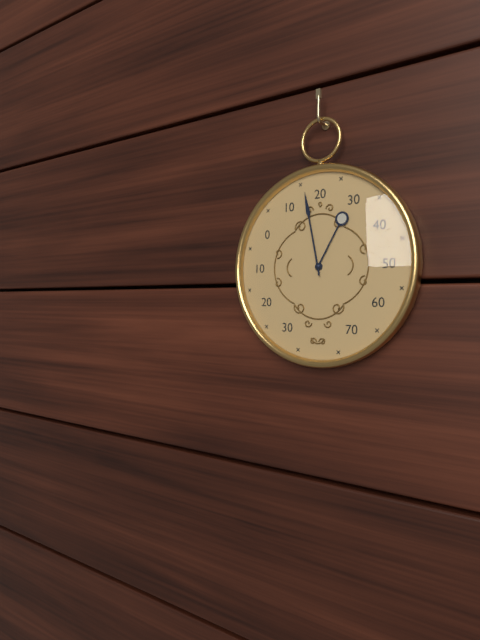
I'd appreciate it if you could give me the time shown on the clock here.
12:58
